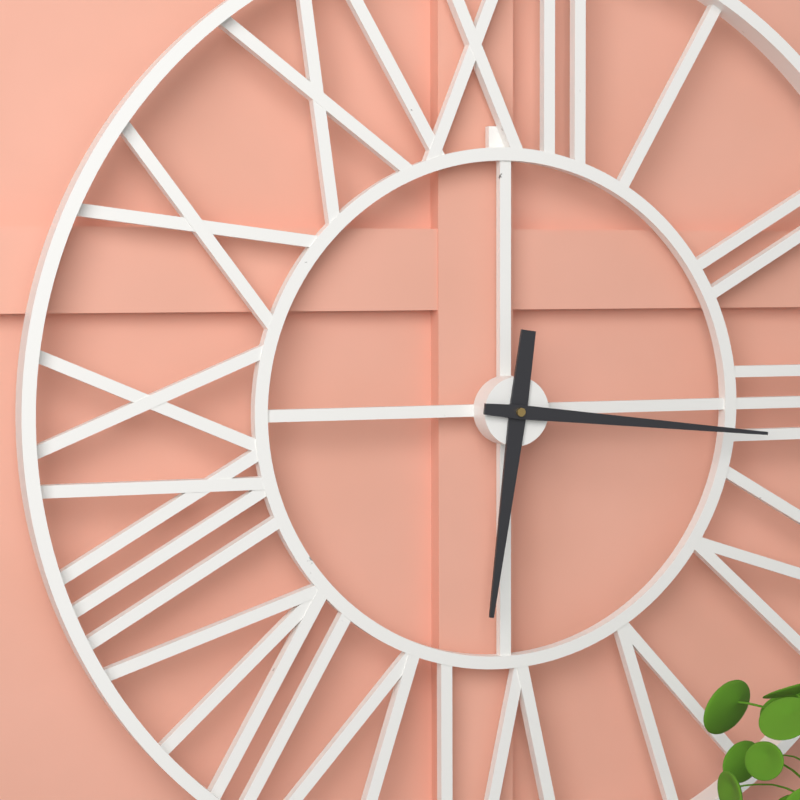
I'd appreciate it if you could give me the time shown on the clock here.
6:16
